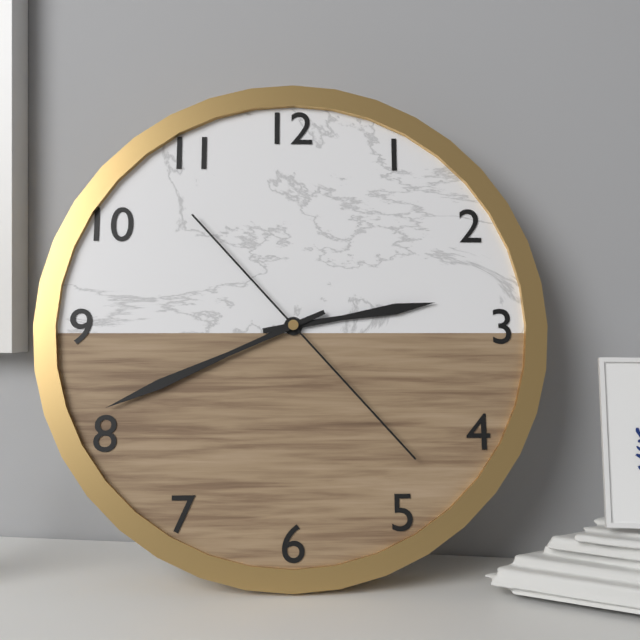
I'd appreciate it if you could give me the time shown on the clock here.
2:41:23
